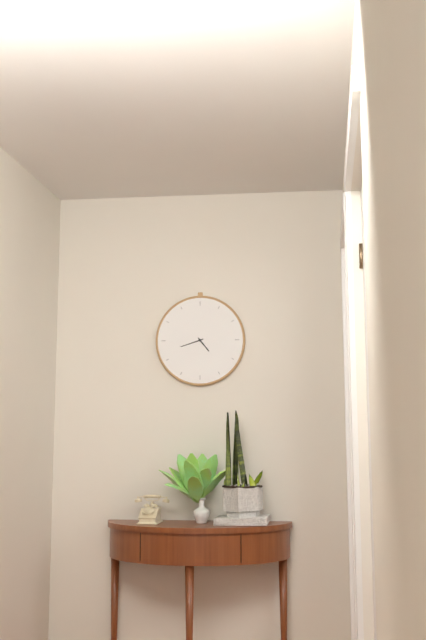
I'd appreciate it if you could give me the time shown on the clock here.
4:42
